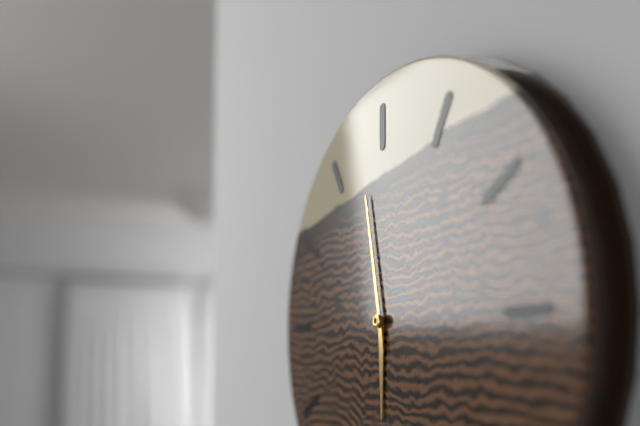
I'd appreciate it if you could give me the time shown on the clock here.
5:58
